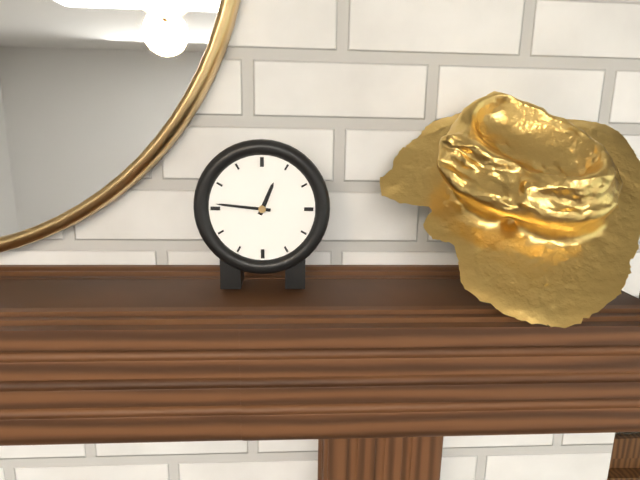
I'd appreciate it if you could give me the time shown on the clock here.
12:46
